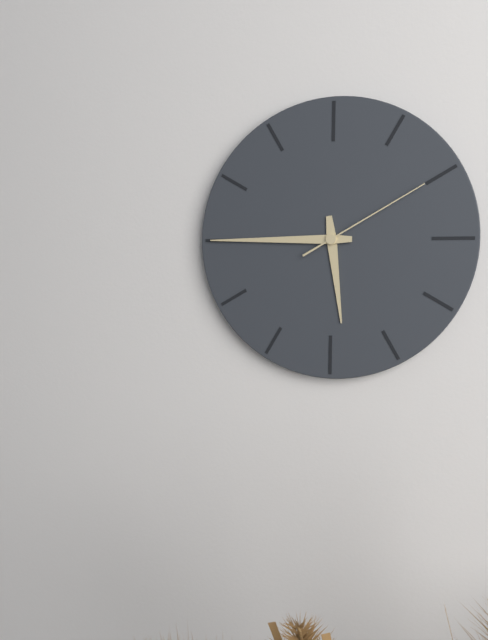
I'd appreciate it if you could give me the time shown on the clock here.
5:45:10
